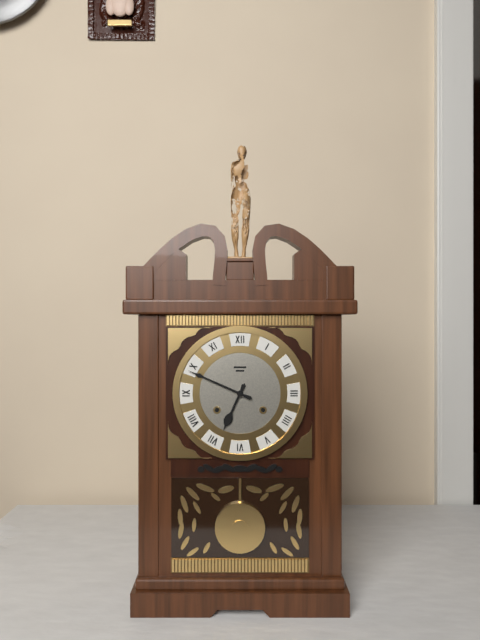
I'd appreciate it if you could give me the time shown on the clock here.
6:49
